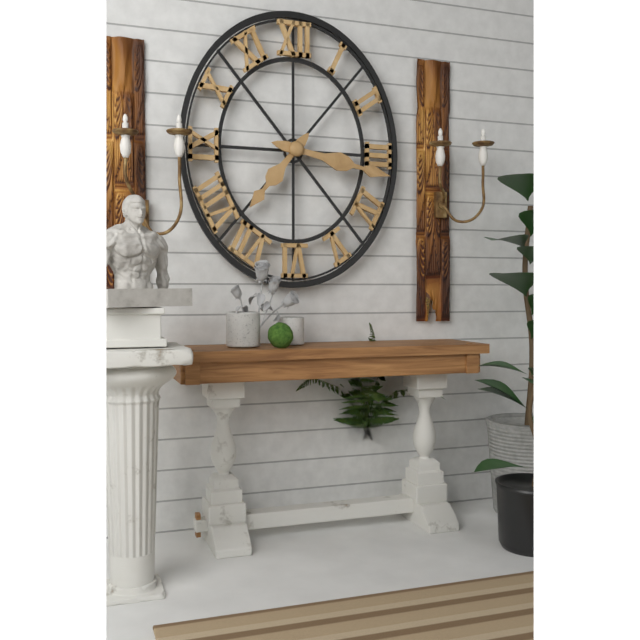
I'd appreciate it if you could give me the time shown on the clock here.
7:17
